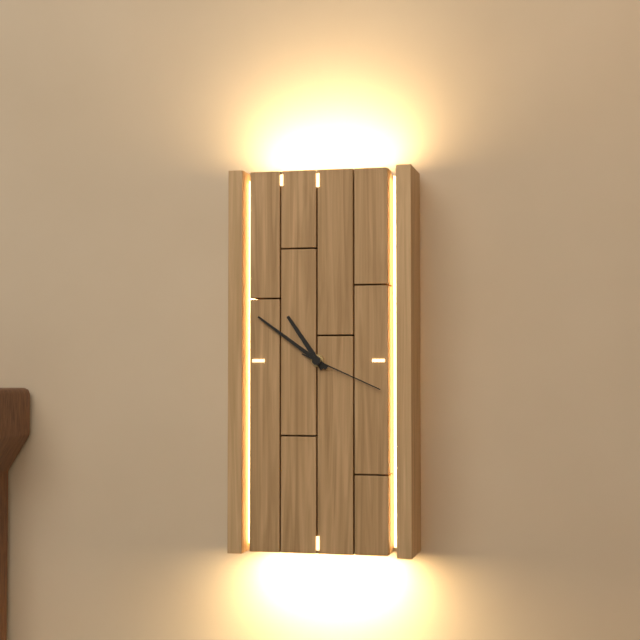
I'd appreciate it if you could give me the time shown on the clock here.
10:51:19
